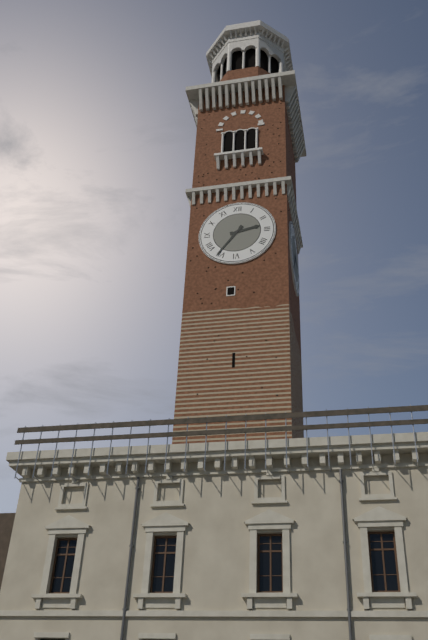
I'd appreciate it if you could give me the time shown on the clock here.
2:36
